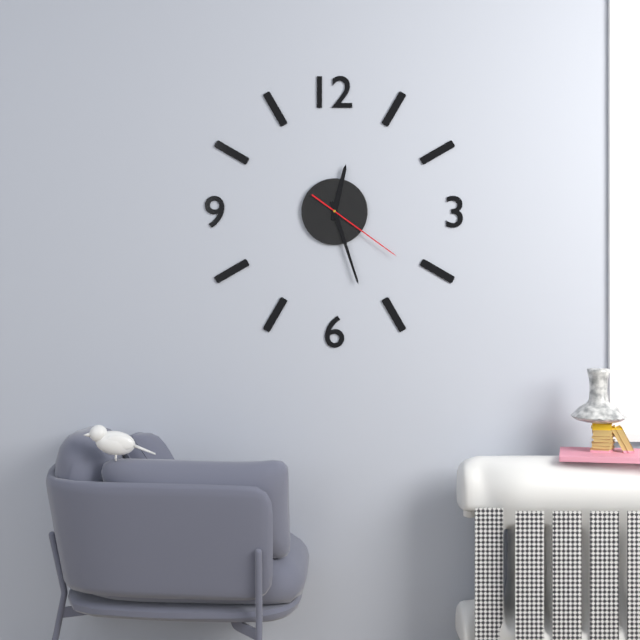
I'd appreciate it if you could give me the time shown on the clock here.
12:27:21
